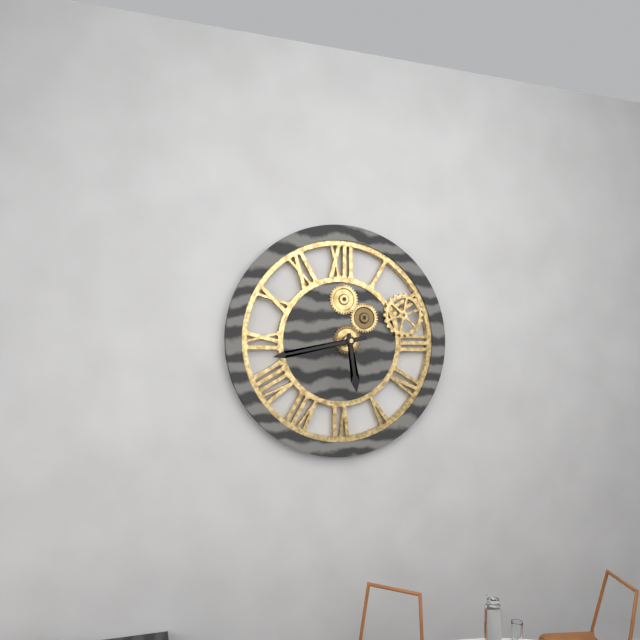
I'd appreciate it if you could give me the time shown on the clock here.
5:43
